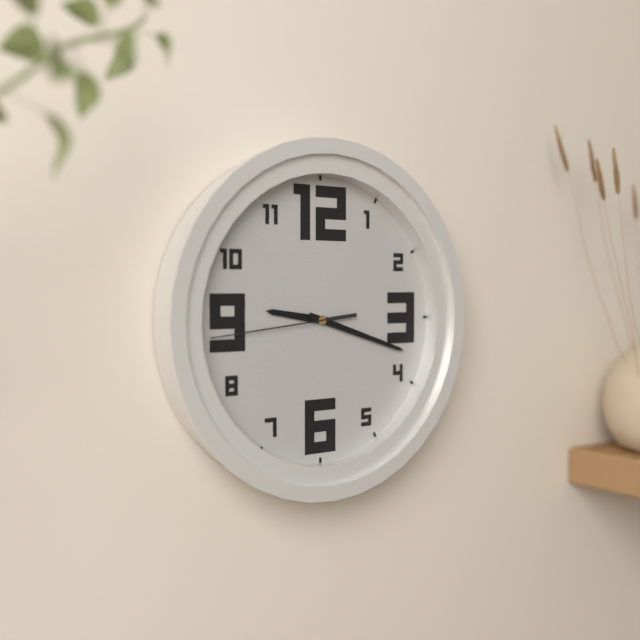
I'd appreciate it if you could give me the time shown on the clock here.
9:18:44
